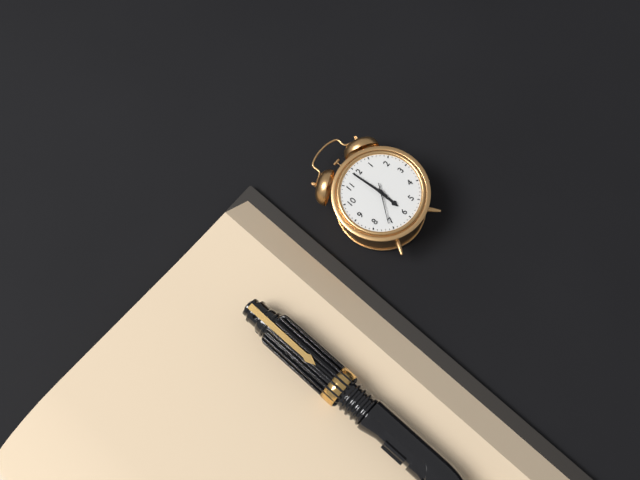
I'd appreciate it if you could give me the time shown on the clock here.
5:59
